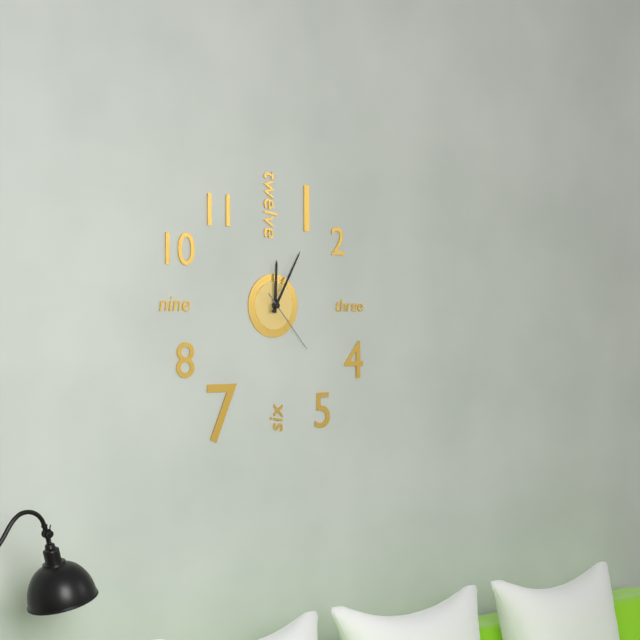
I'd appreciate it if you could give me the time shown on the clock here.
12:05:23
